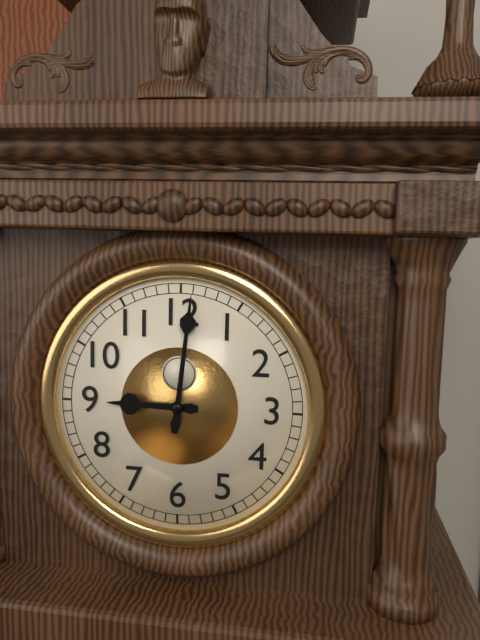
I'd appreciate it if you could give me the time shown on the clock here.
9:01
